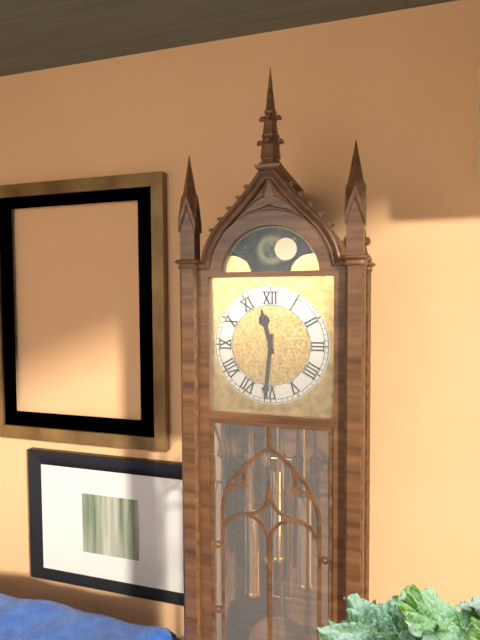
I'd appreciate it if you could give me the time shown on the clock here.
11:31
